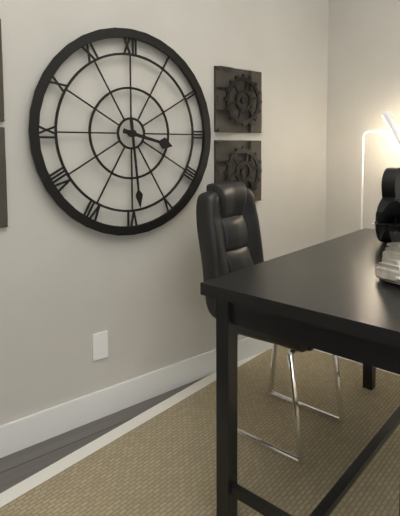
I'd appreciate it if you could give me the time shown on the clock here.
3:29
